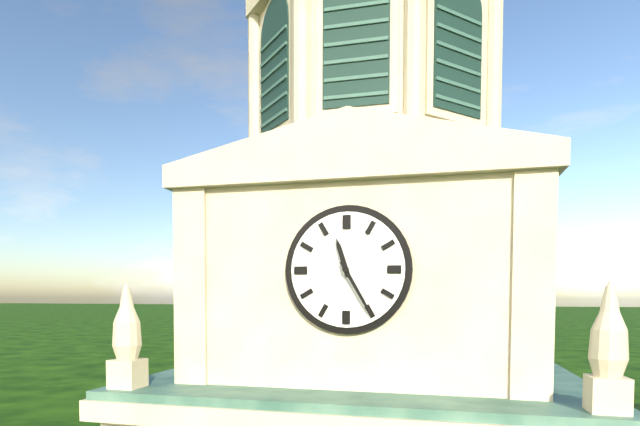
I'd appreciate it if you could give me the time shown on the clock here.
11:25
